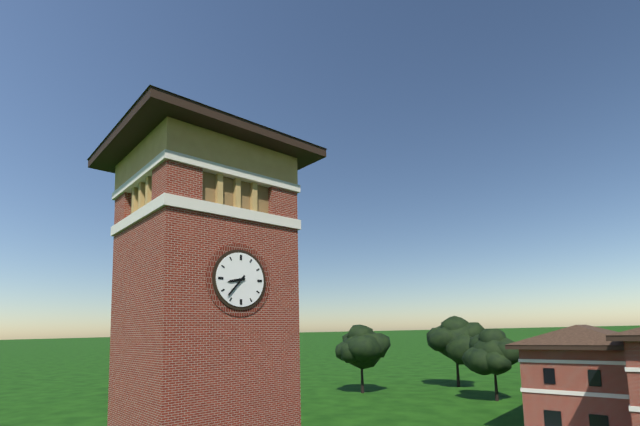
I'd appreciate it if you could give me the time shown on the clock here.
8:37
